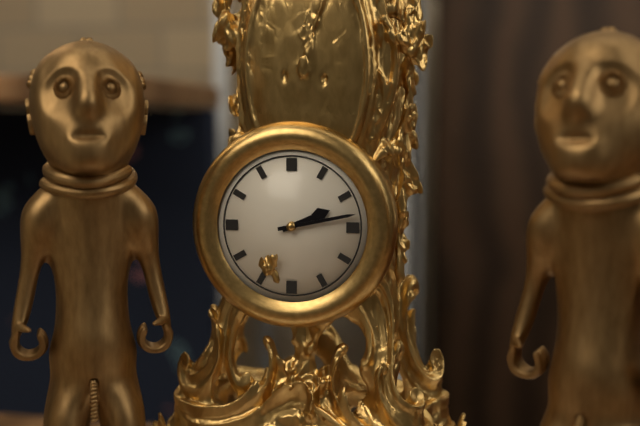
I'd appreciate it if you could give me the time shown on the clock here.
2:13
